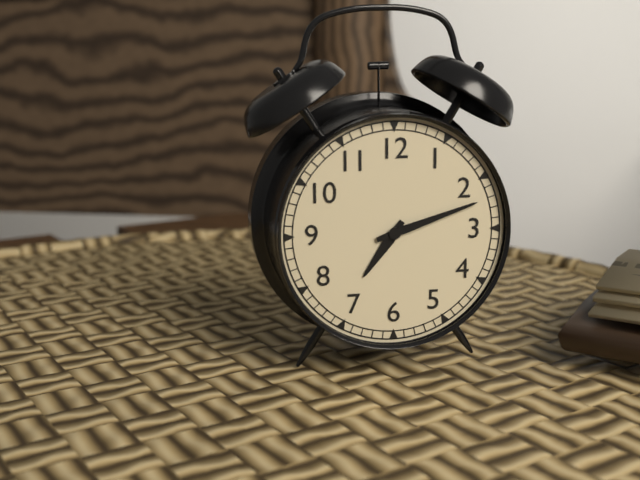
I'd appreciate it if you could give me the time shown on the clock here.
7:12
